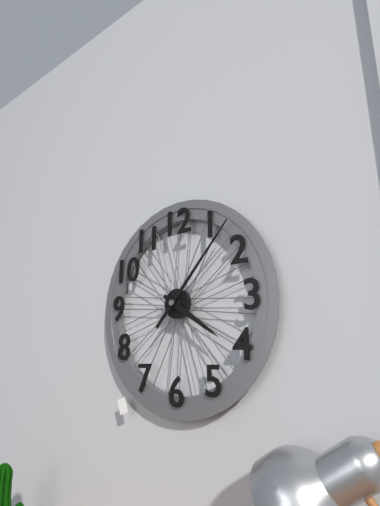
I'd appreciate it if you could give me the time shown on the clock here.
4:07
